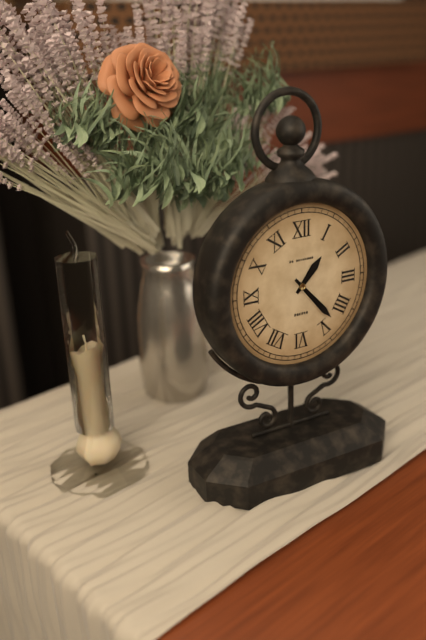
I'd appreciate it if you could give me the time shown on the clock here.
1:23
